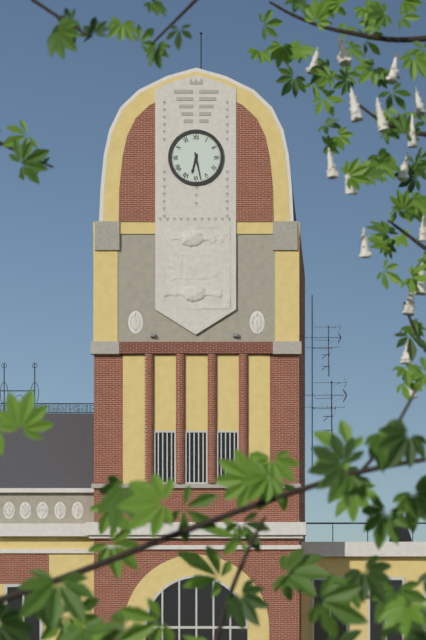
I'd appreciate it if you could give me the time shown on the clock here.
6:28
